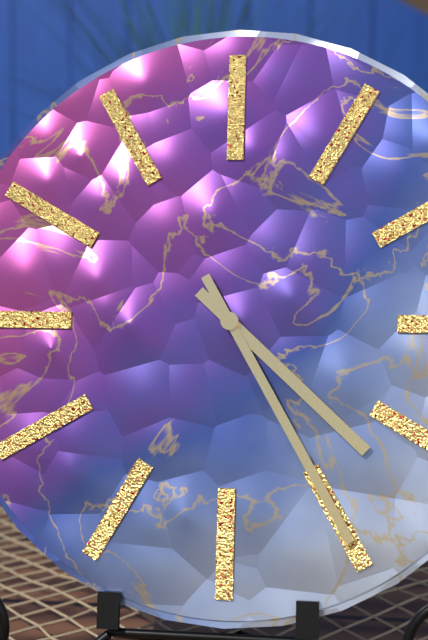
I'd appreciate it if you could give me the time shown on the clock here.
4:25
